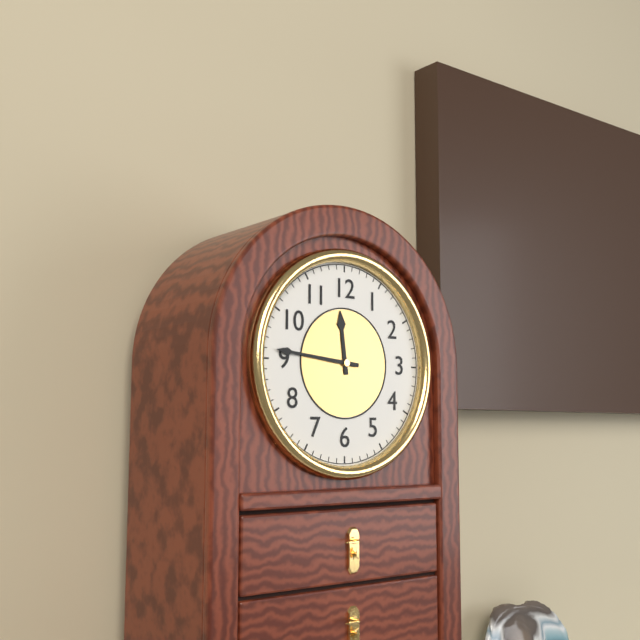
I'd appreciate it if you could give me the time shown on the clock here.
11:46
